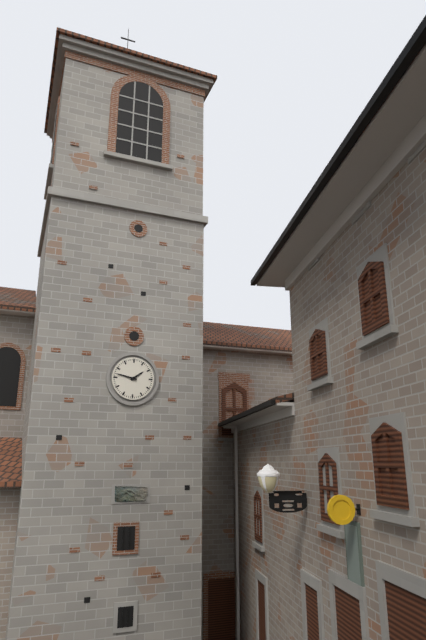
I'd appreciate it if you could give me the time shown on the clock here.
1:47
